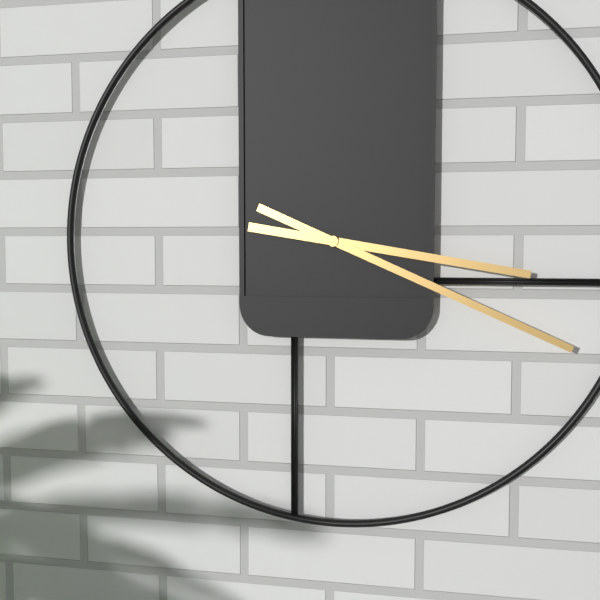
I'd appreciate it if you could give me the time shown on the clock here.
3:19
